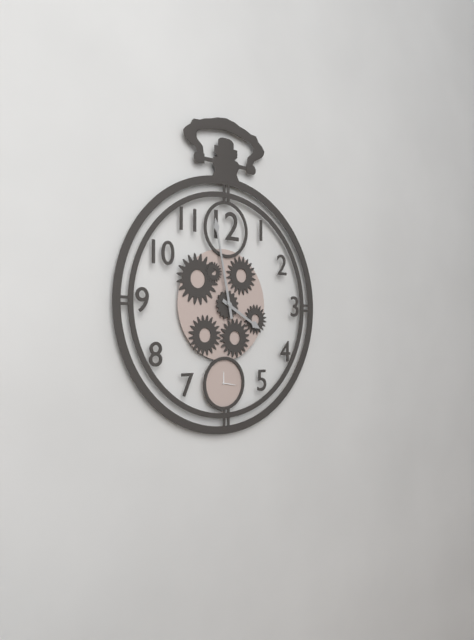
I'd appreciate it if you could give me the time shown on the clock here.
3:58
